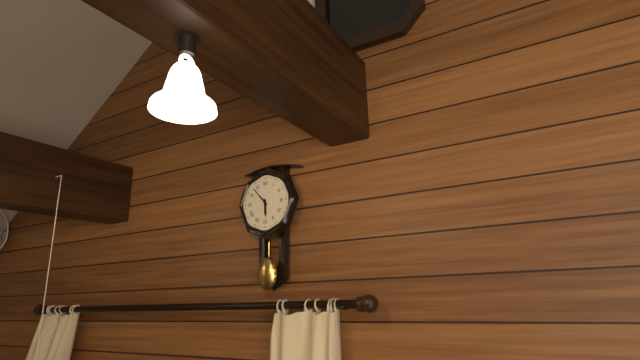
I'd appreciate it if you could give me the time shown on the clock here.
5:53
